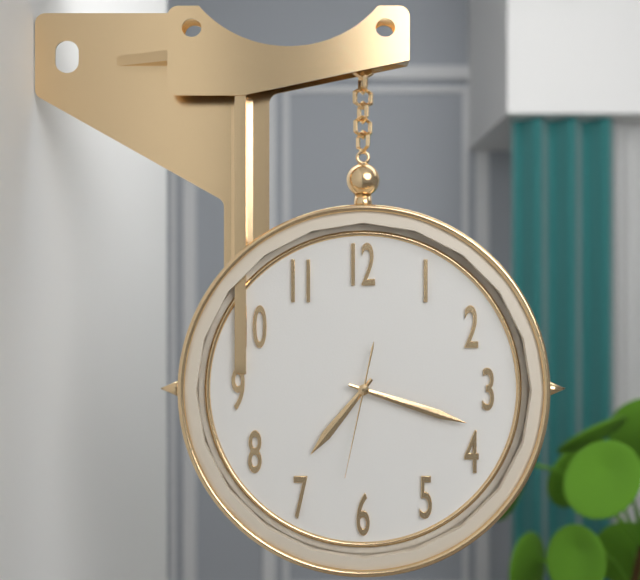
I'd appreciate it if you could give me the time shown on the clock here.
7:18:32
